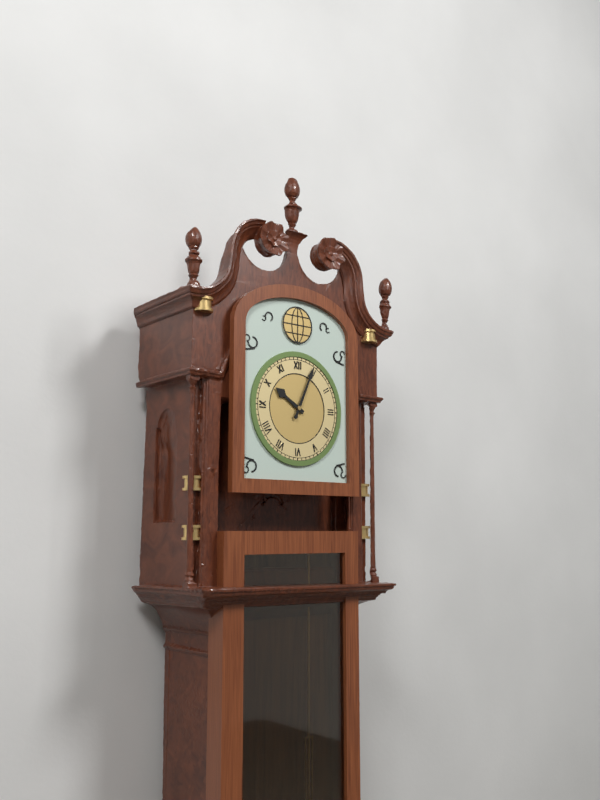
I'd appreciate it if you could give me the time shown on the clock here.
10:04
